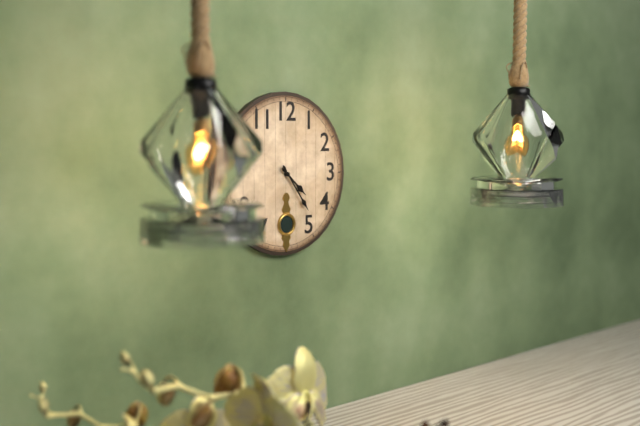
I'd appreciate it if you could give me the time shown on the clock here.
4:24
